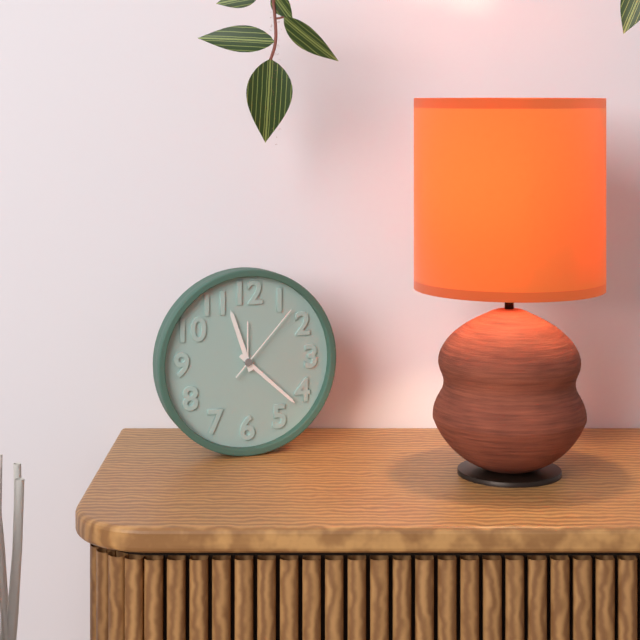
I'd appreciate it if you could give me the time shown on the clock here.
11:22:07
